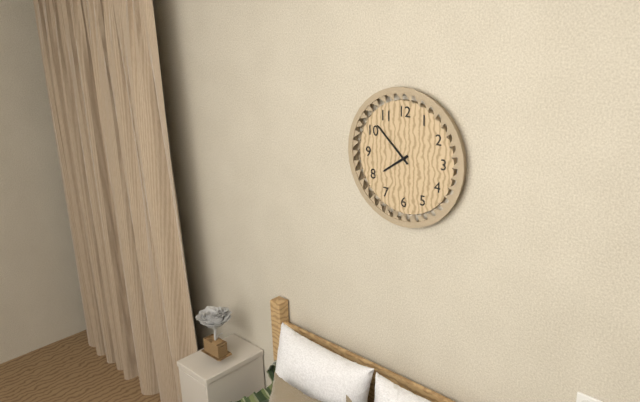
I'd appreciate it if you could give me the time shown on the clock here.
7:52
